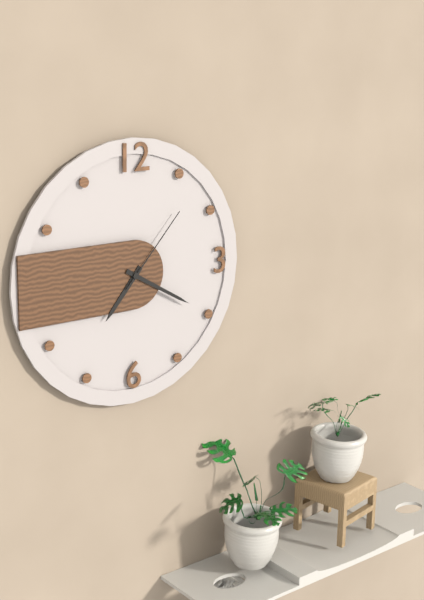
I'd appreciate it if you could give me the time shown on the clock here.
7:20:07
